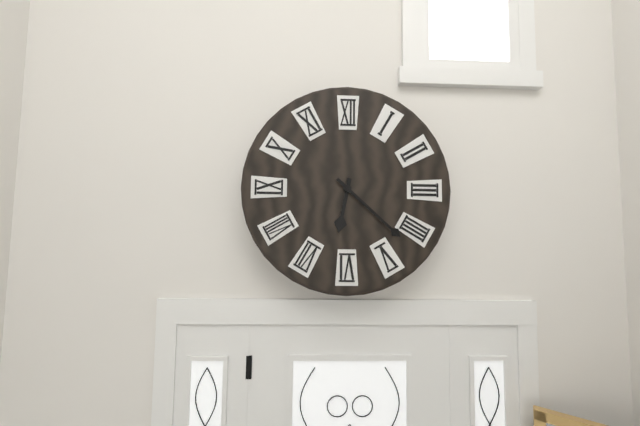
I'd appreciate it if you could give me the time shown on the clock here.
6:22
